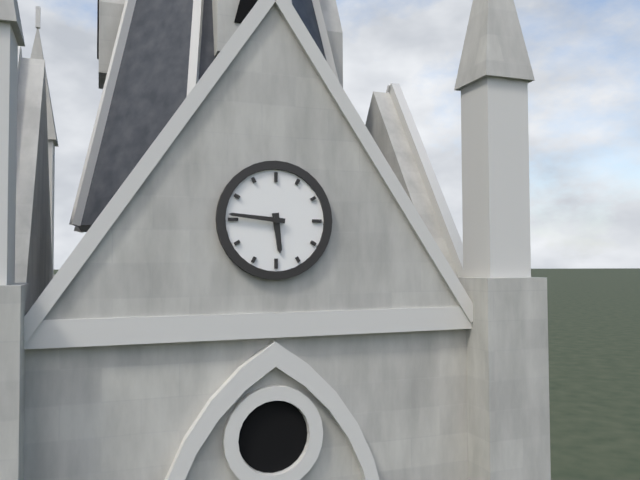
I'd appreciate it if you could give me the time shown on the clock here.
5:46
